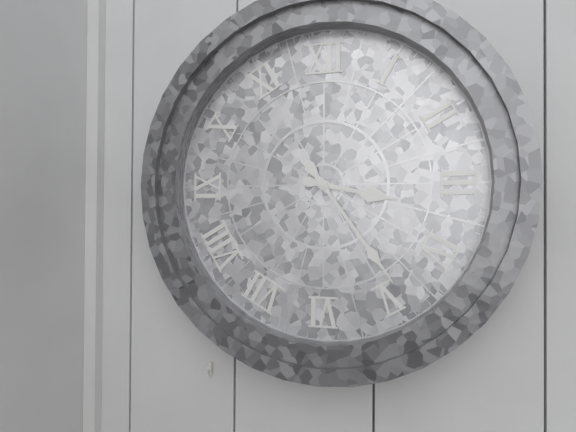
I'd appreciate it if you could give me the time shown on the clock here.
3:24
